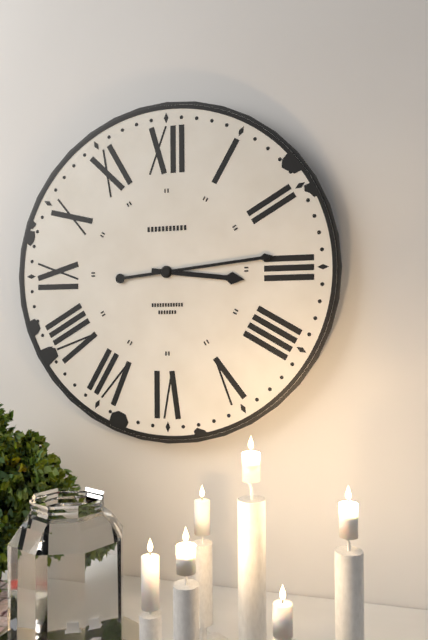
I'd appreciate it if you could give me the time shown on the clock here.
3:14
